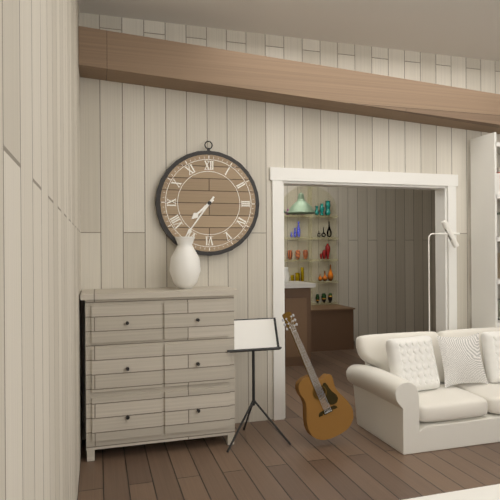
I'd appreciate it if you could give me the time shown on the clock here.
7:36
